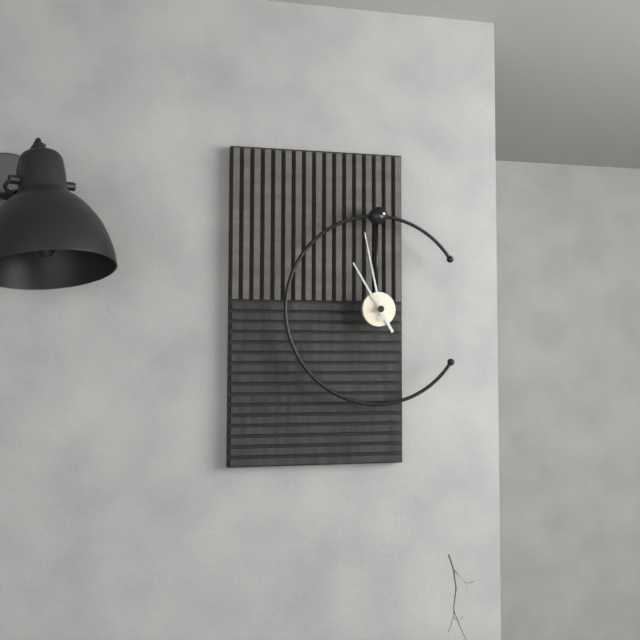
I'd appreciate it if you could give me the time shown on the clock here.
10:58
